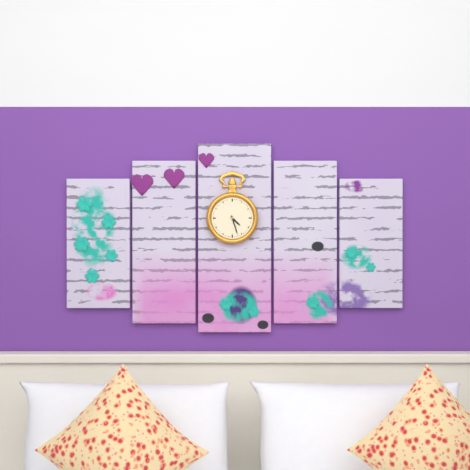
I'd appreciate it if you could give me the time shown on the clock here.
4:27
